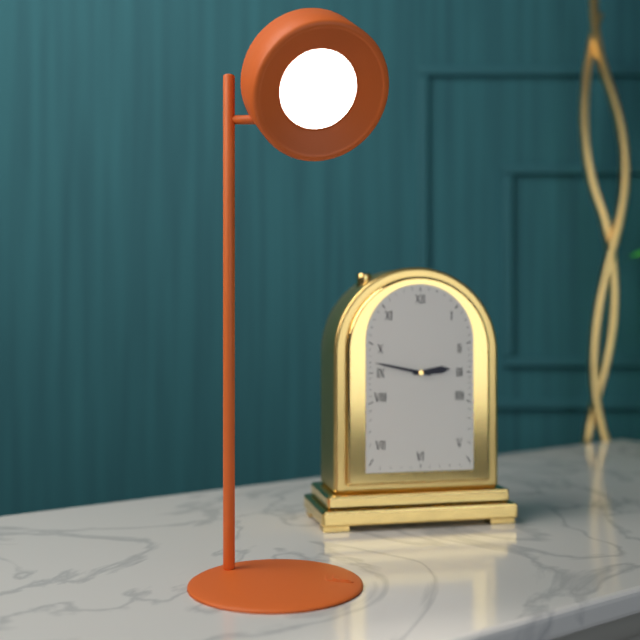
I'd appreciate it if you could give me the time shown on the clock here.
2:47
